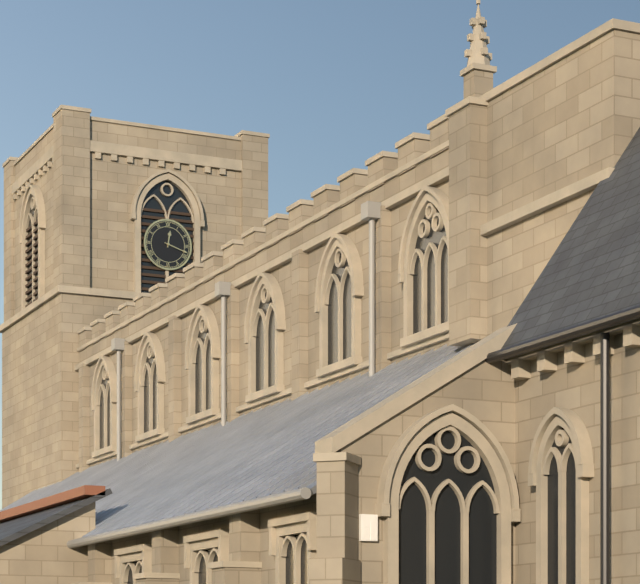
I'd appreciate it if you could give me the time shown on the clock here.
12:18
